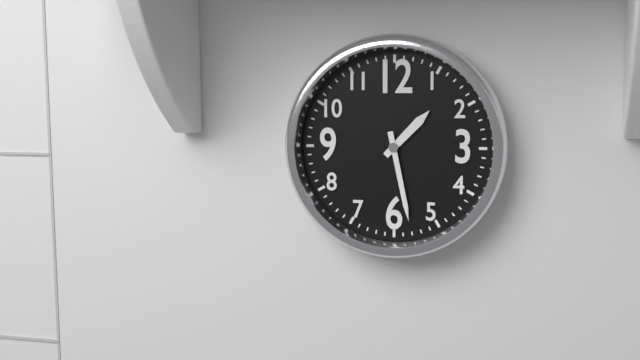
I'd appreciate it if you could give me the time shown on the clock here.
1:28
